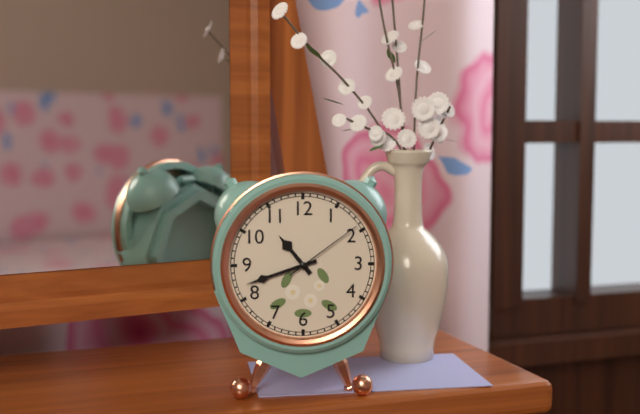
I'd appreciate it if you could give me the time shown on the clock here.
10:42:09
